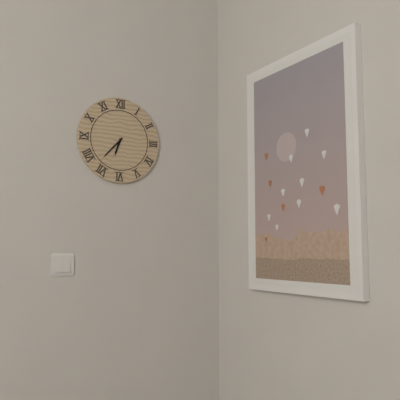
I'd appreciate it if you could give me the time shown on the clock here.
6:37
